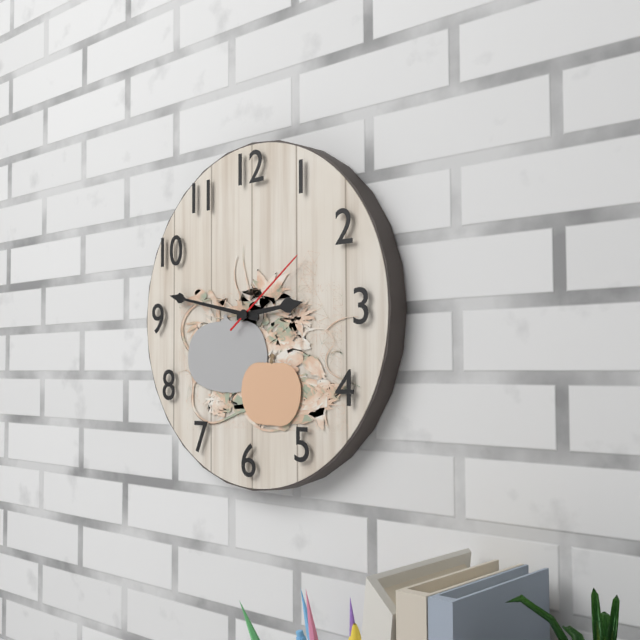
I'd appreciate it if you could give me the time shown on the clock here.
2:47:09
